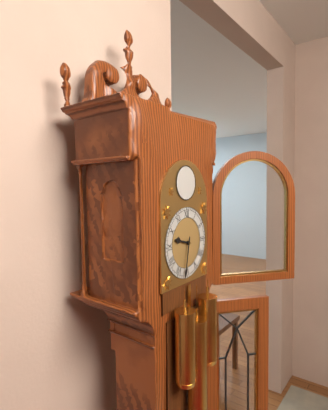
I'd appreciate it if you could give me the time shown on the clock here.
9:32
